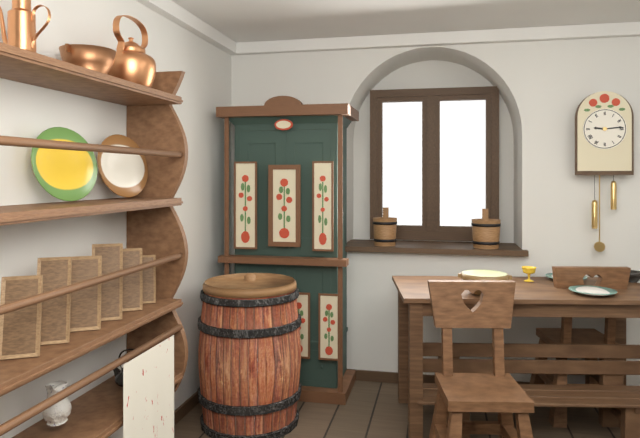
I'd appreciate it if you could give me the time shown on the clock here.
9:14
